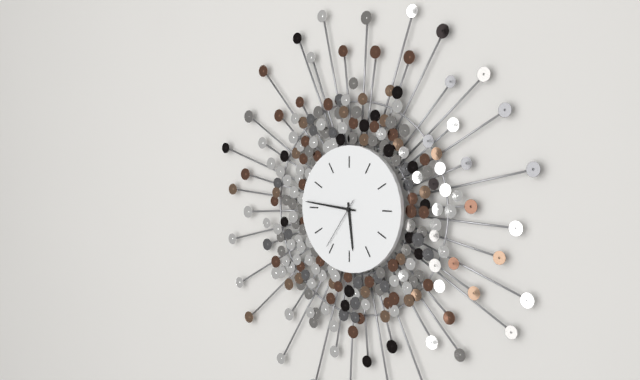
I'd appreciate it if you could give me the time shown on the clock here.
5:46:36
